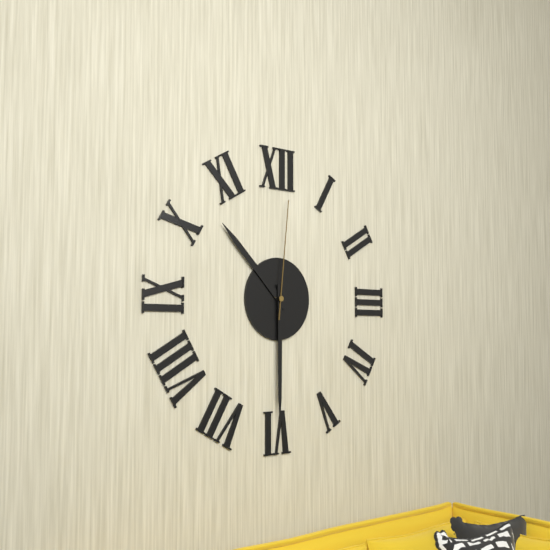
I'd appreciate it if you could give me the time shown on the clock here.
10:30:01
